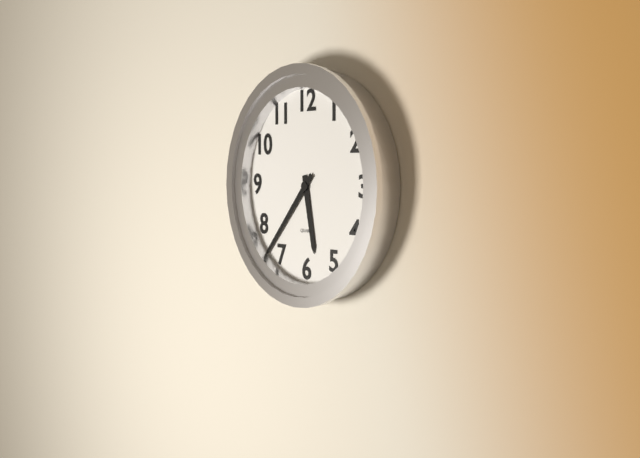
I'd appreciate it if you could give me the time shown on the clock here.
5:37
